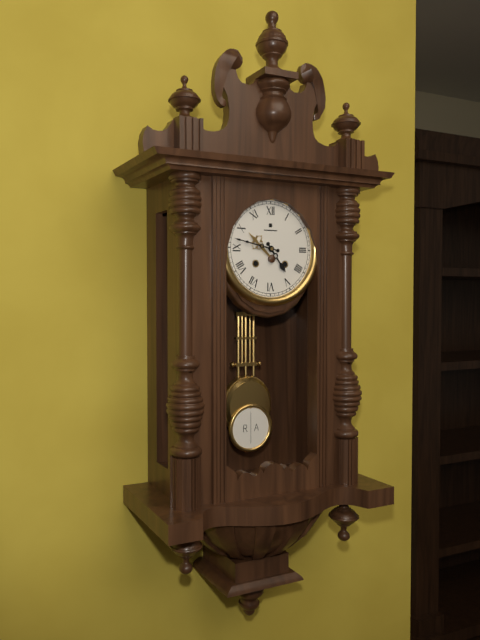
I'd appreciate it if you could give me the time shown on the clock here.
4:47
